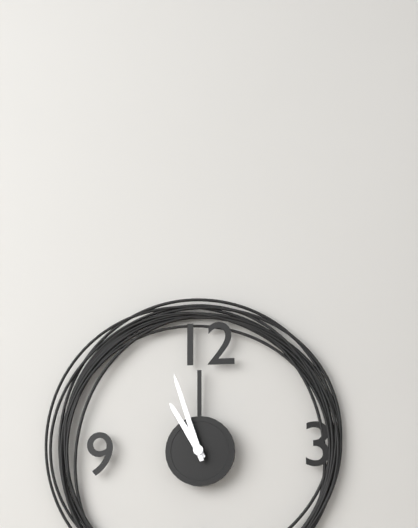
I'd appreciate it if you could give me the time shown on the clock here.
10:57
